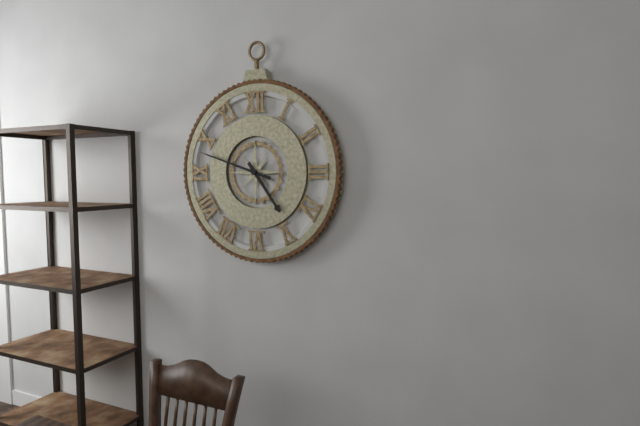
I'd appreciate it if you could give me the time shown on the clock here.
4:48
